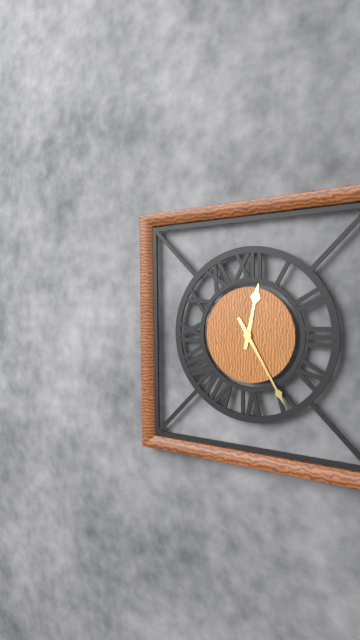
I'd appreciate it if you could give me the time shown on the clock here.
12:25
